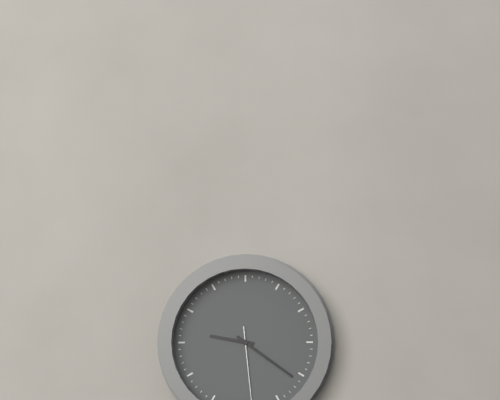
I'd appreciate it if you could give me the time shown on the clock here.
9:21
